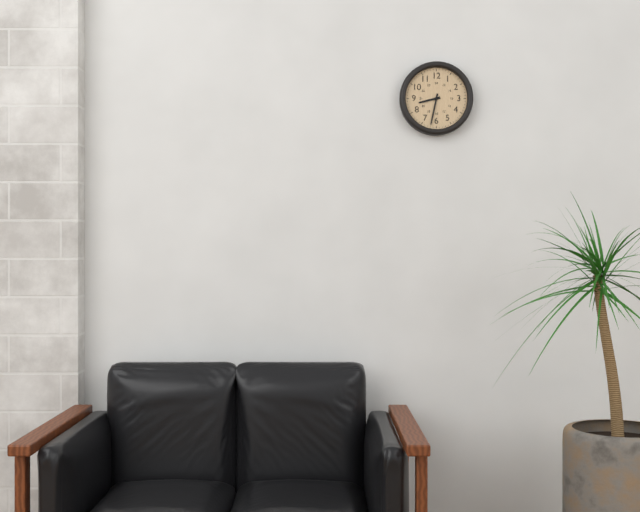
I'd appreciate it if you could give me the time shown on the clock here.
8:32
